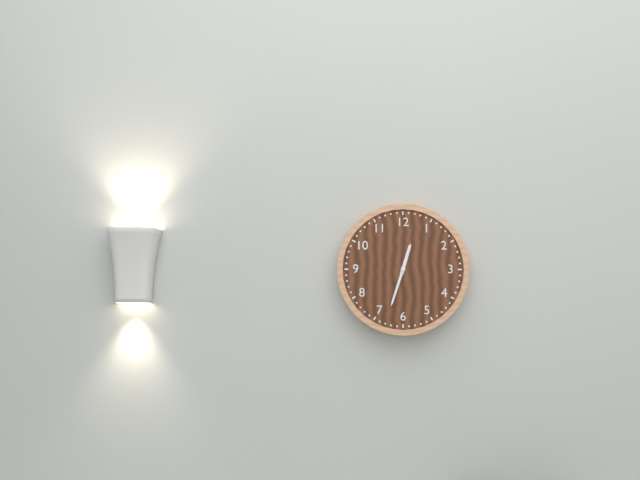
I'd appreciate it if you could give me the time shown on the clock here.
12:33
